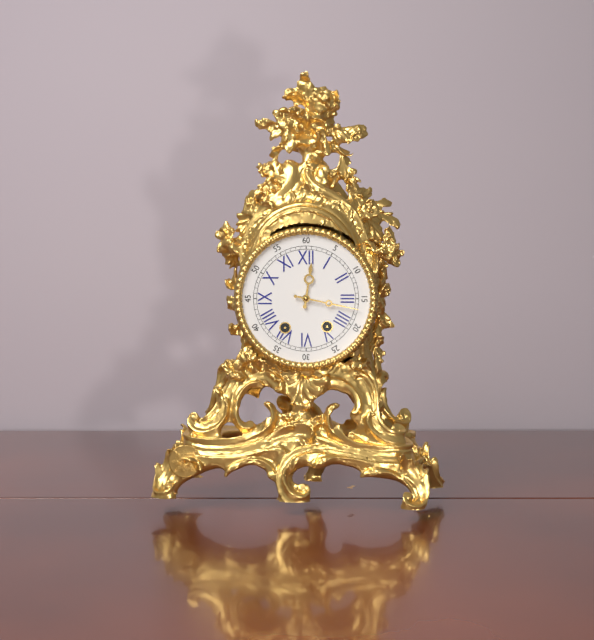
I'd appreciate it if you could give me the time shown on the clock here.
12:17
